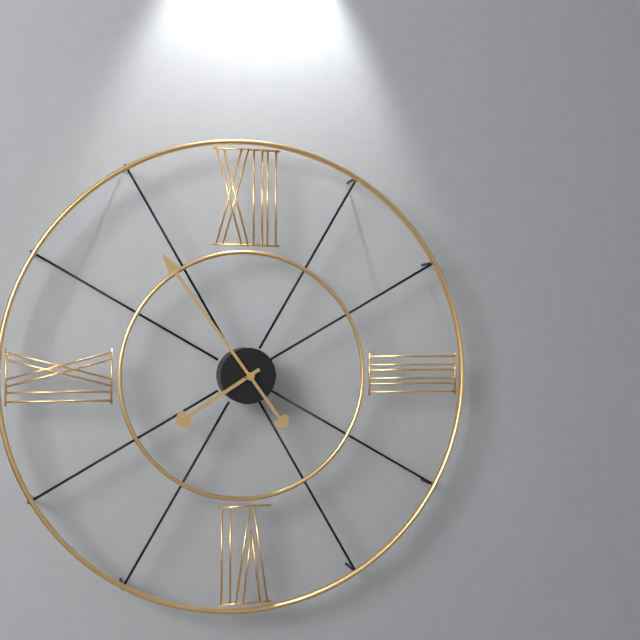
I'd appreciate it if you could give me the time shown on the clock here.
7:54
